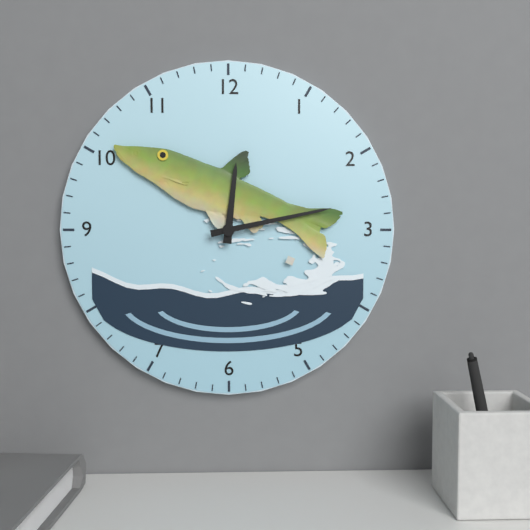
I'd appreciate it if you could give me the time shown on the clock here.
12:13
